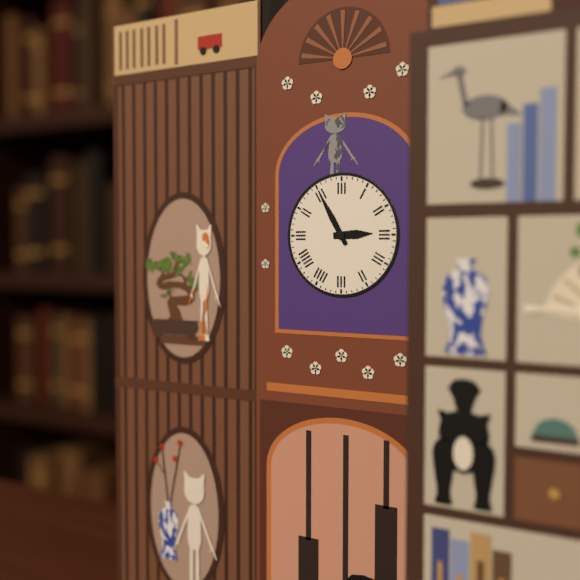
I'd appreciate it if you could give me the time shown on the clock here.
2:55
